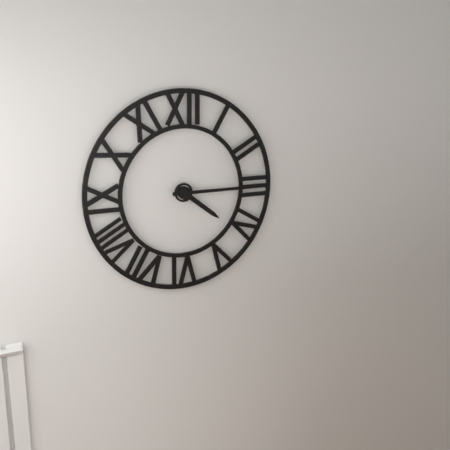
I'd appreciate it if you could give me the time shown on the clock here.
4:15
